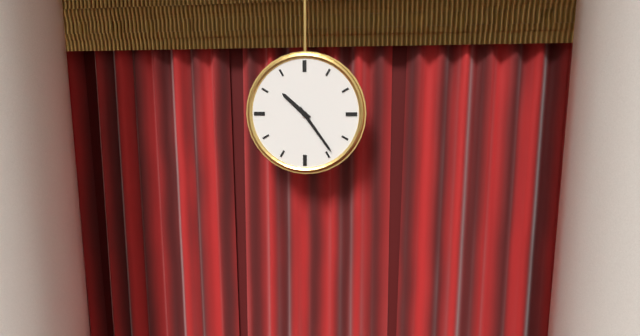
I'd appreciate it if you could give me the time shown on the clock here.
10:24
